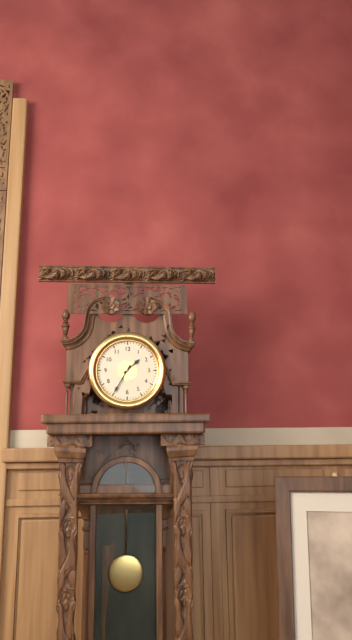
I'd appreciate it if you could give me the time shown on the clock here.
1:35
